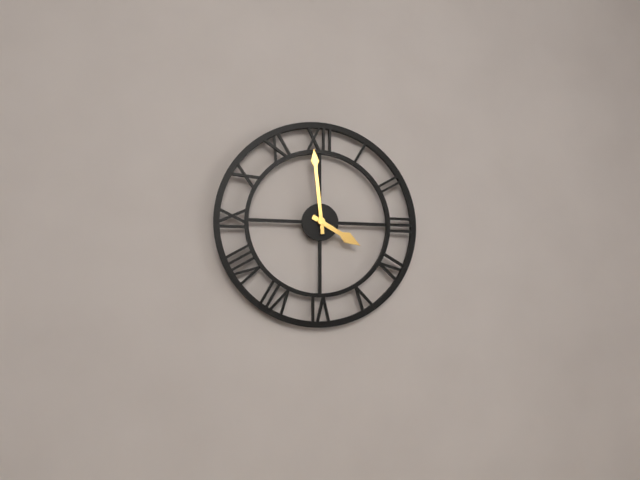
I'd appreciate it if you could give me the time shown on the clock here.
3:59
